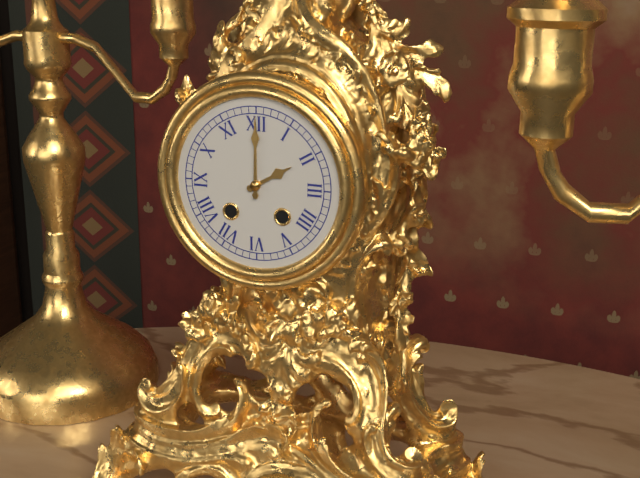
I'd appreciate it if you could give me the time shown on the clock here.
2:00
